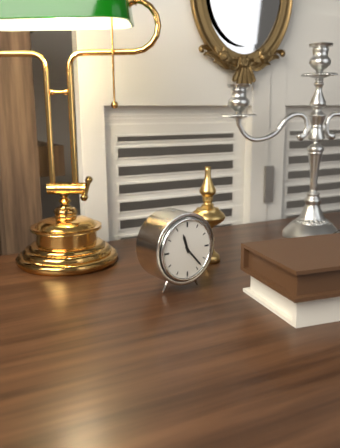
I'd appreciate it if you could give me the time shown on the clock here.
11:23
